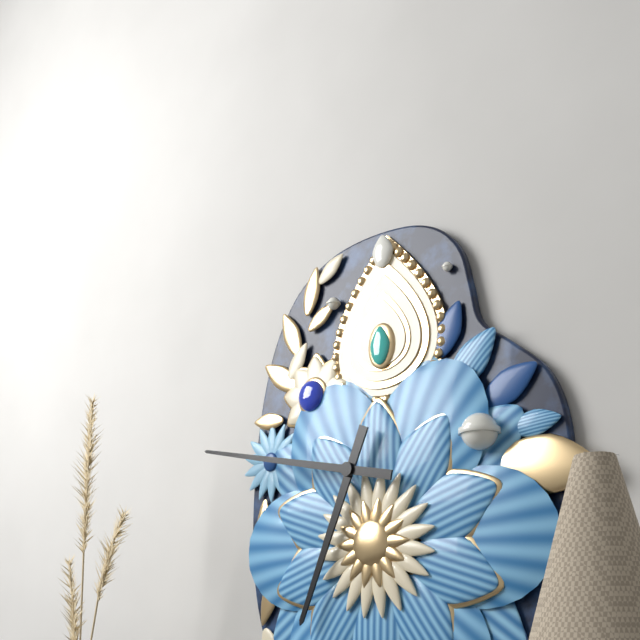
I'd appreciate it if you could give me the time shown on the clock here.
6:47
